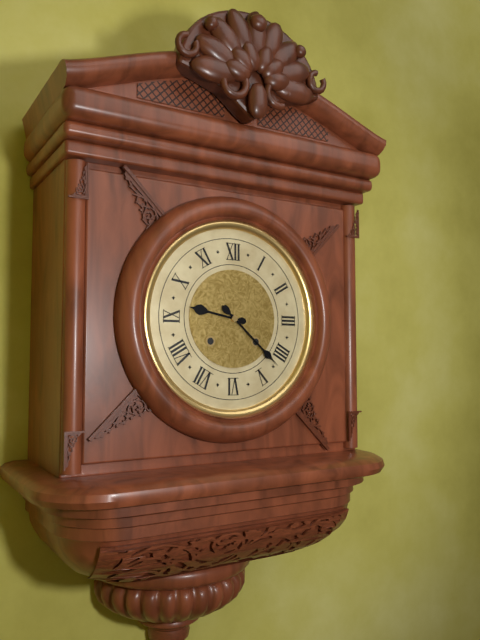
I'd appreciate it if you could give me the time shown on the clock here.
9:22
